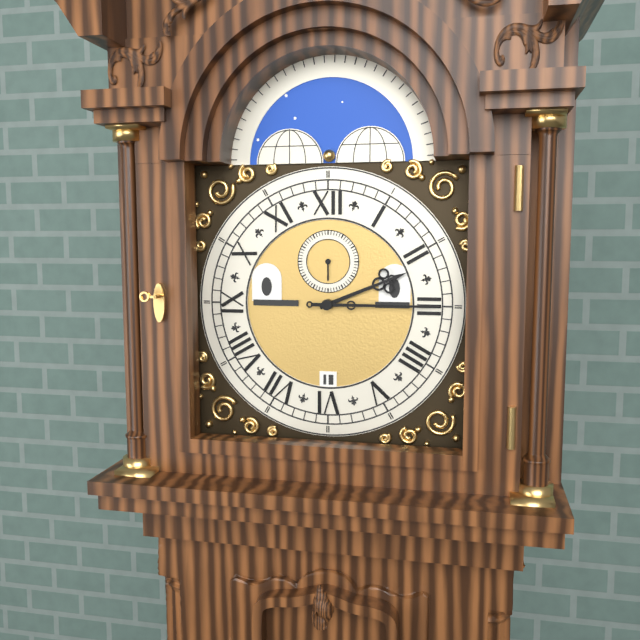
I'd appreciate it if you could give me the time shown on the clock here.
2:15
